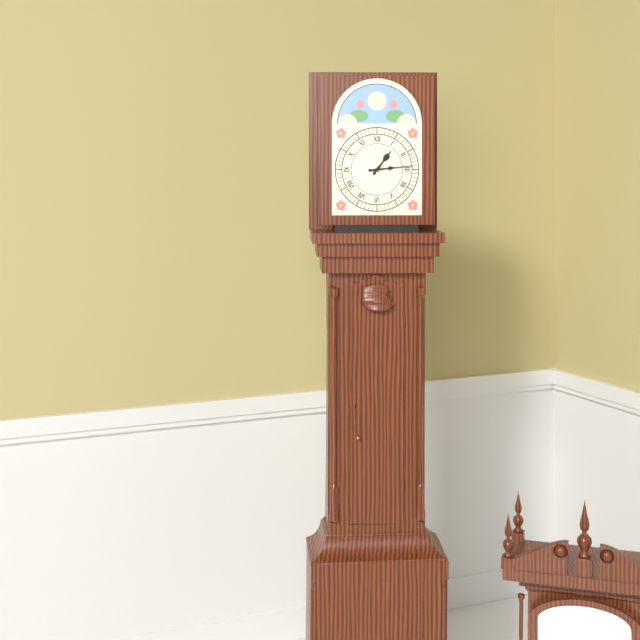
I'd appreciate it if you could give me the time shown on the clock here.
1:14
